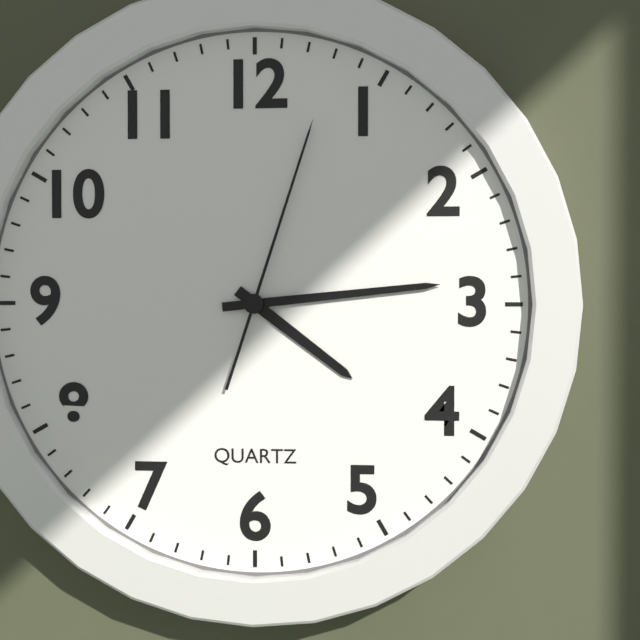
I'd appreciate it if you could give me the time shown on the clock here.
4:14:03
